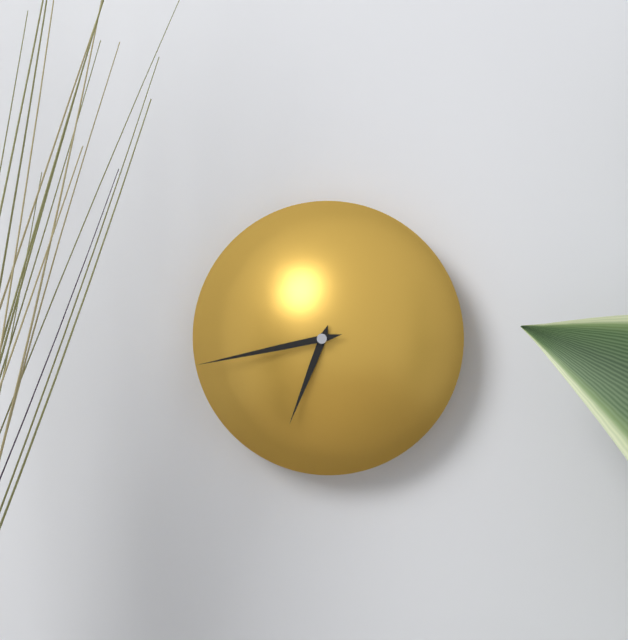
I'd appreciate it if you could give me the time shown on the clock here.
6:43
